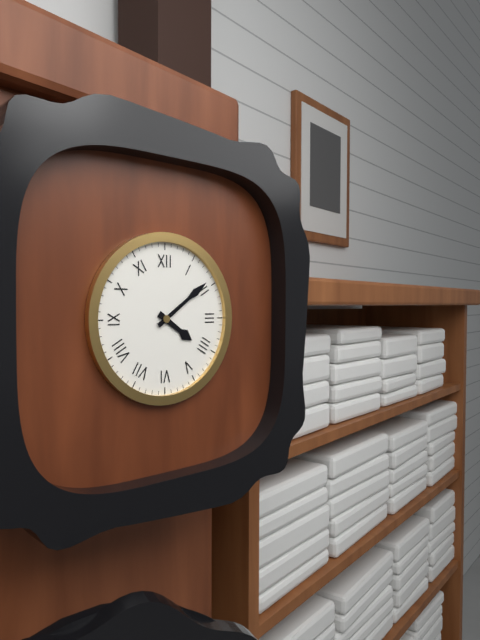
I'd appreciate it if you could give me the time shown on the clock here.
4:09
